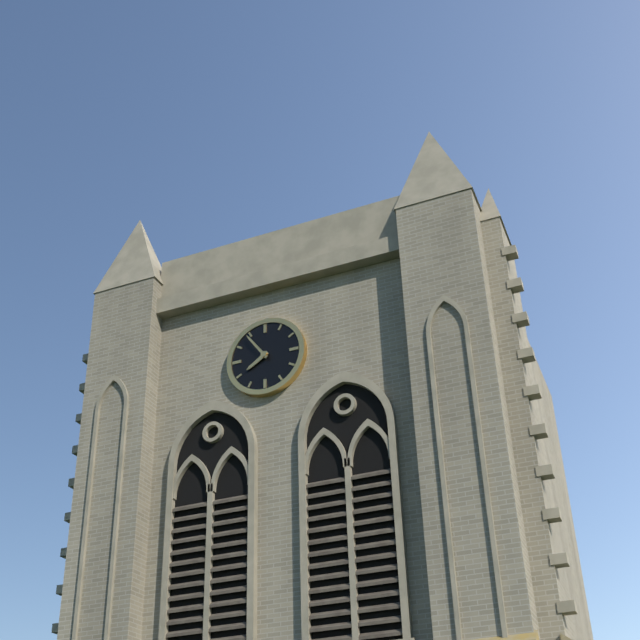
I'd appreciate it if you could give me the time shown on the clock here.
7:54
